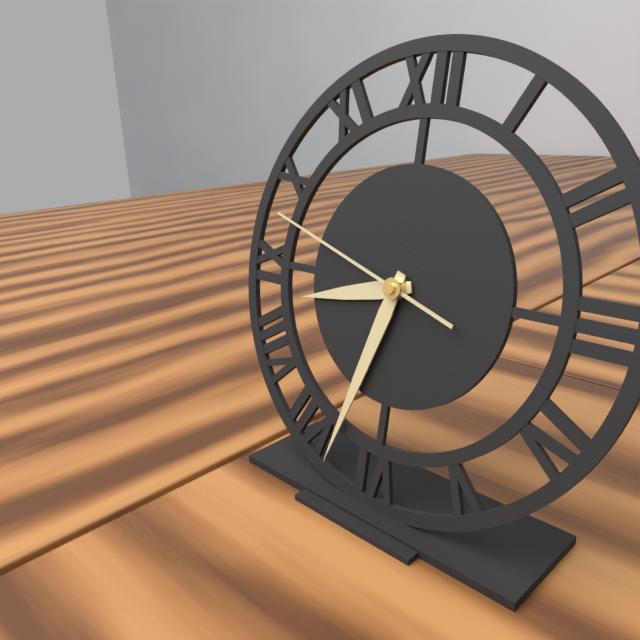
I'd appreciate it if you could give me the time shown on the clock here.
8:33:48
